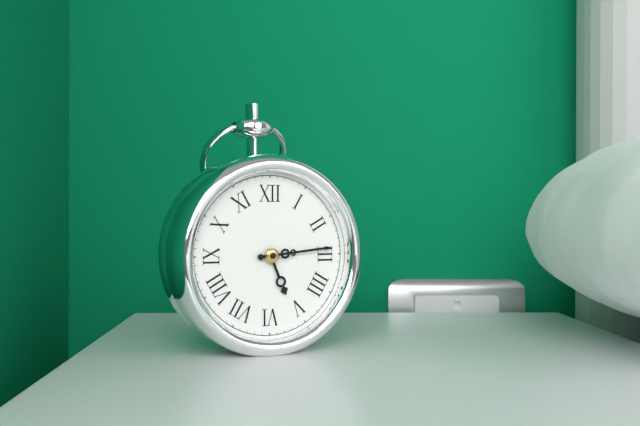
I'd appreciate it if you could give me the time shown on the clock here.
5:14
